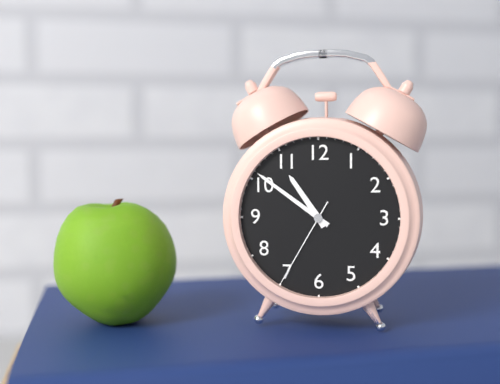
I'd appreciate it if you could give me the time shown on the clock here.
10:51:35
